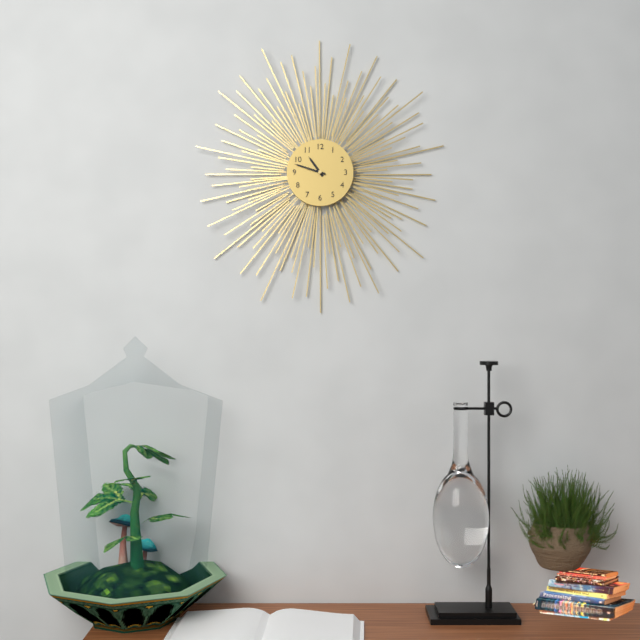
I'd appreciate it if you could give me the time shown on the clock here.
10:48
